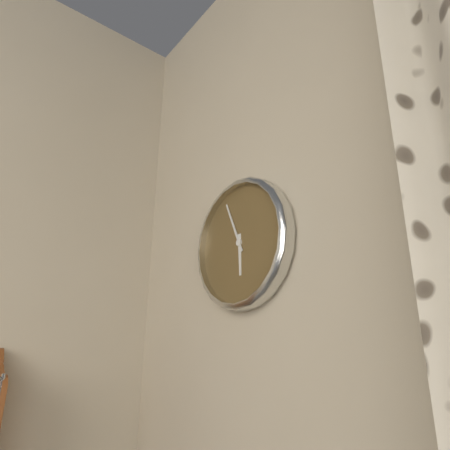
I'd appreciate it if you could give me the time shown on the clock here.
5:56
